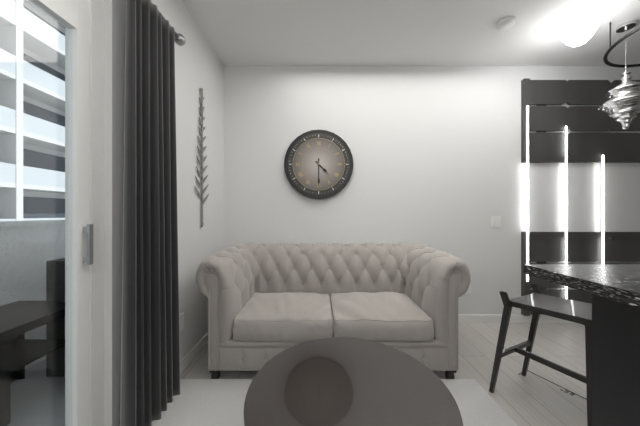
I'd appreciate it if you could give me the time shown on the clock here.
4:30
